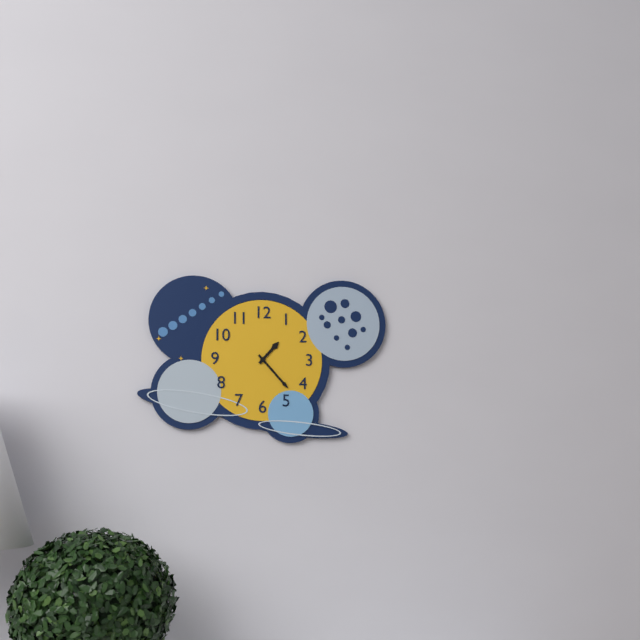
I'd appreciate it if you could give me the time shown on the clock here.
1:23
